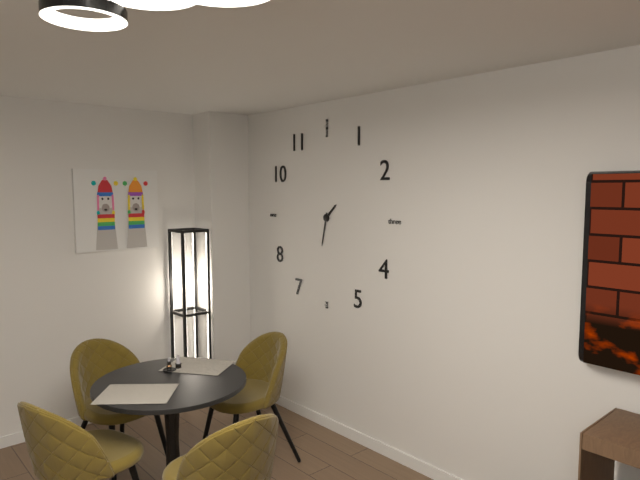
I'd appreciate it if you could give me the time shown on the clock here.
1:32
